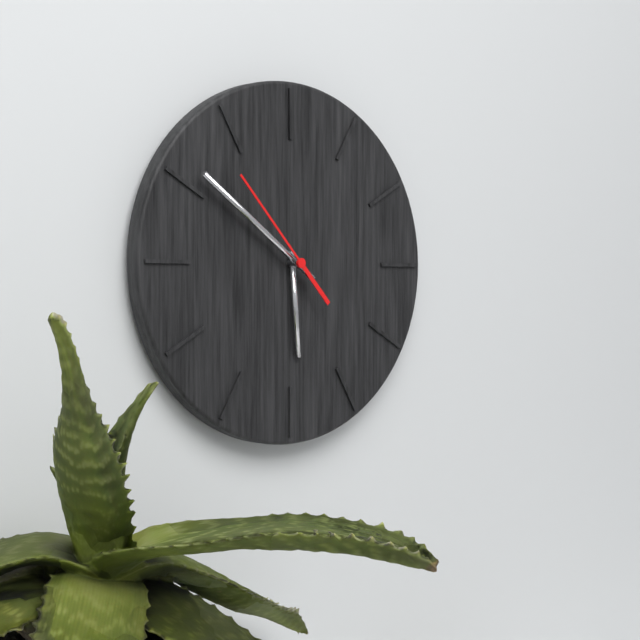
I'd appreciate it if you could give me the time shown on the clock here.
5:51:53
